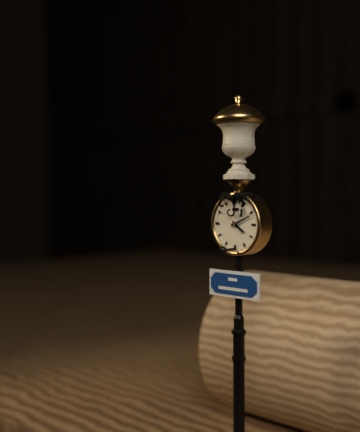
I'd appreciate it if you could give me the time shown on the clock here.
4:11
